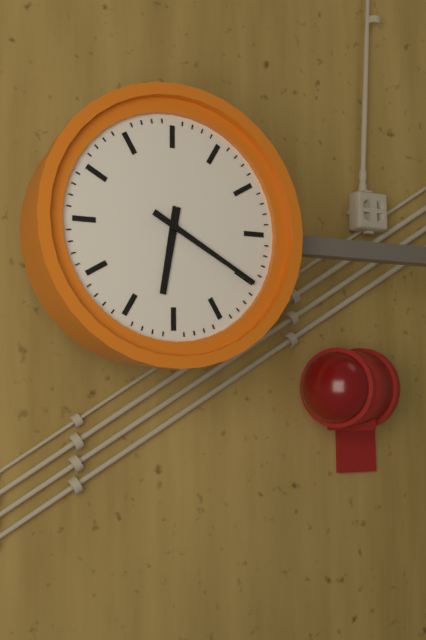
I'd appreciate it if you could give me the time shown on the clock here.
6:20
